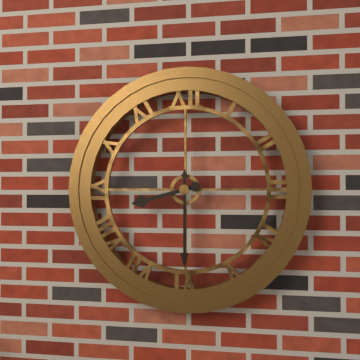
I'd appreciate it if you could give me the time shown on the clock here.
8:30
